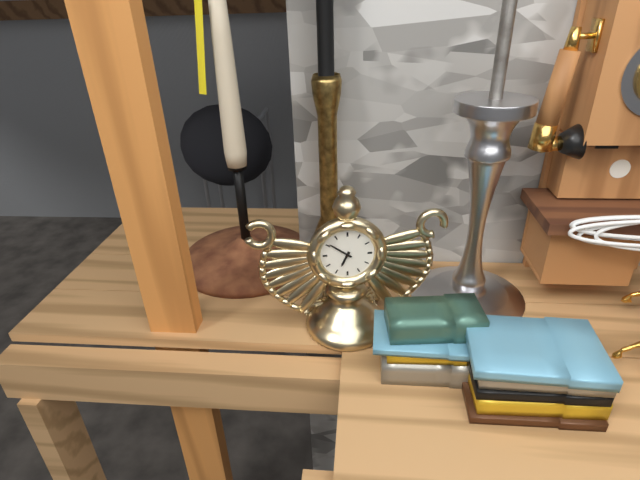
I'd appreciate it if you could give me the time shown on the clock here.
6:51
